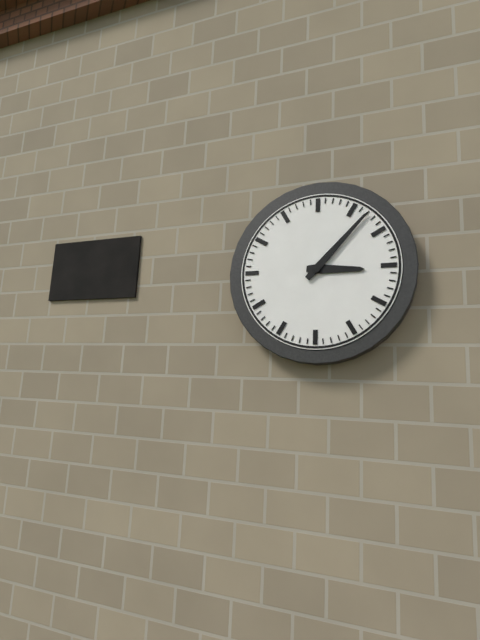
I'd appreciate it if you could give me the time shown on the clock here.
3:07
